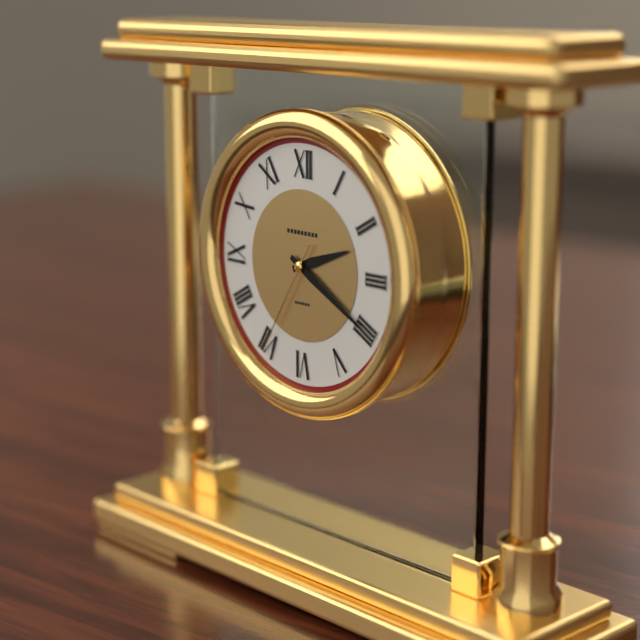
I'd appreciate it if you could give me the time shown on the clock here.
2:20:35
